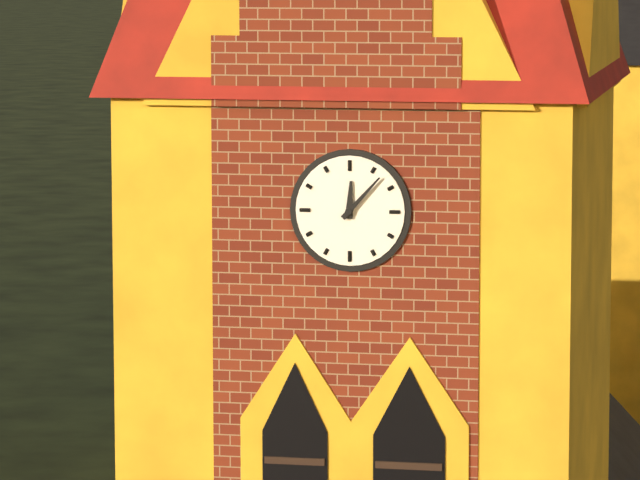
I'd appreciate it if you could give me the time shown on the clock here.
12:07
